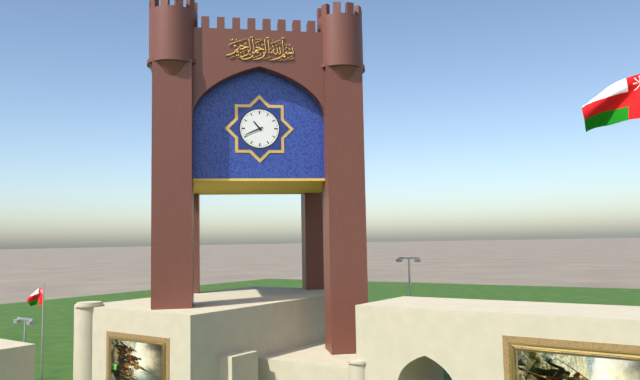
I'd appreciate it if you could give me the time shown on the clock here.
10:41
